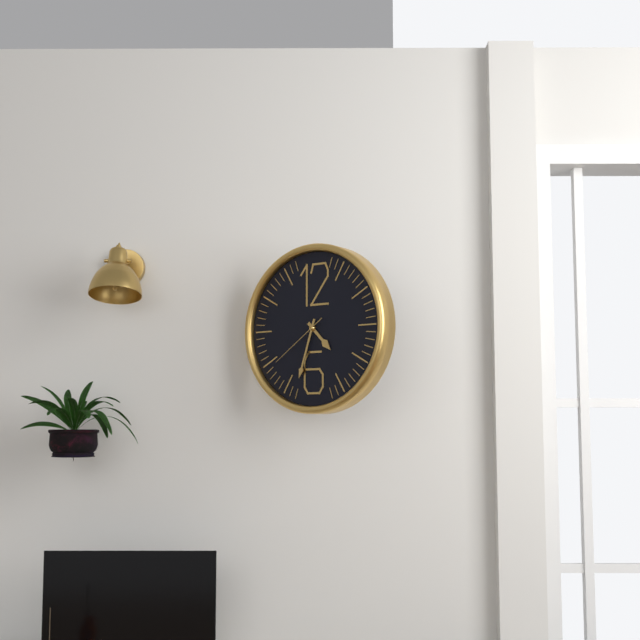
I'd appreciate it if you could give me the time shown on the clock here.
4:33:39
